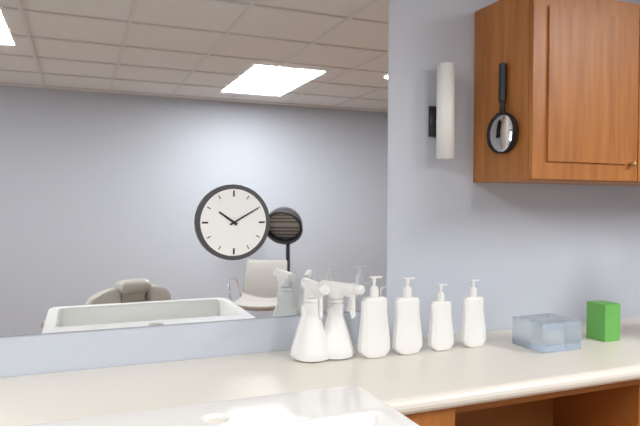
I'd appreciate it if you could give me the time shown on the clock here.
10:10
